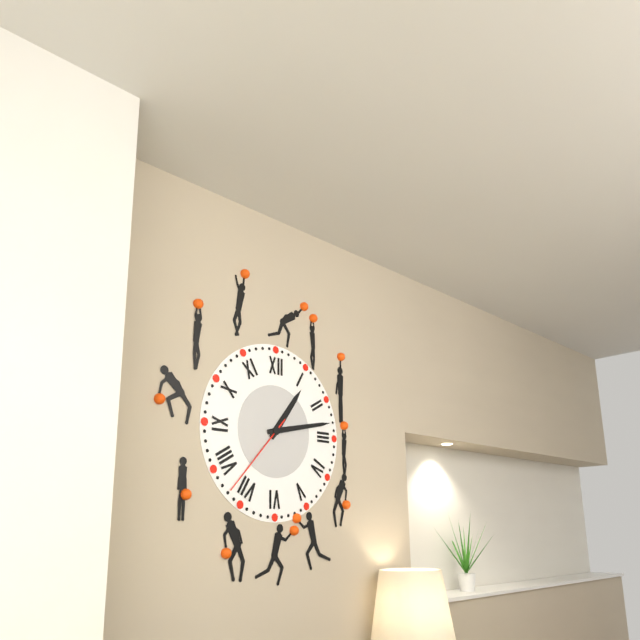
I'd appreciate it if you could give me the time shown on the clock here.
1:13:37
